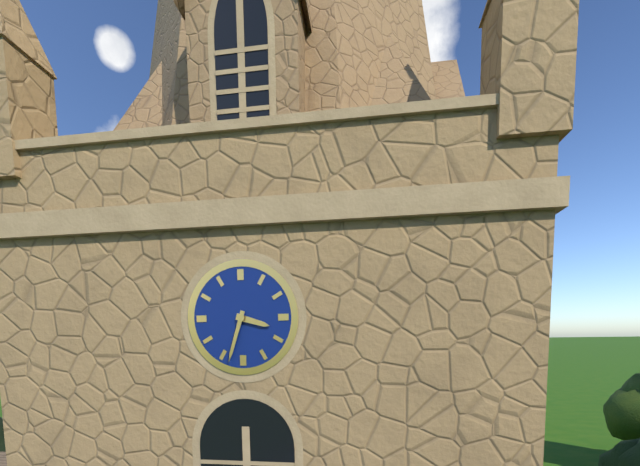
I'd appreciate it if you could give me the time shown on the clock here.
3:33
